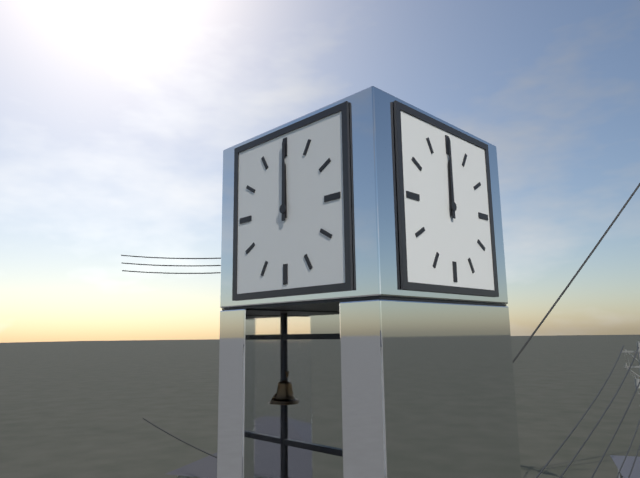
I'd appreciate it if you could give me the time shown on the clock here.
12:00
